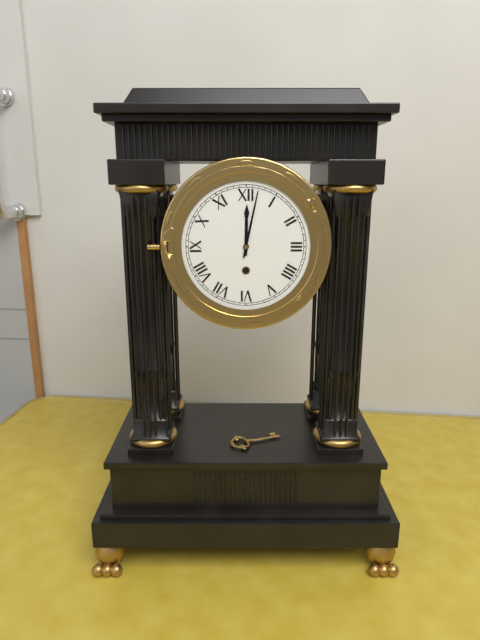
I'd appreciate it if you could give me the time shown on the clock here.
12:02
